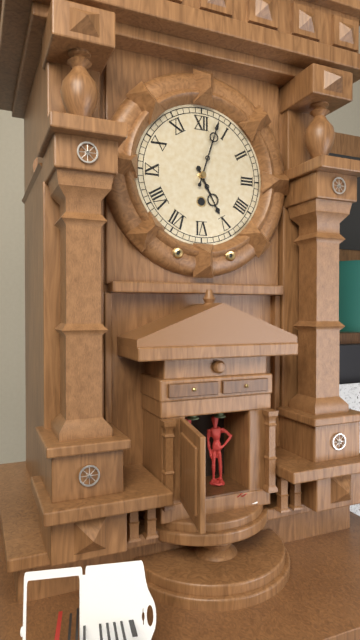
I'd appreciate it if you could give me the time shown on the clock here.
5:03
